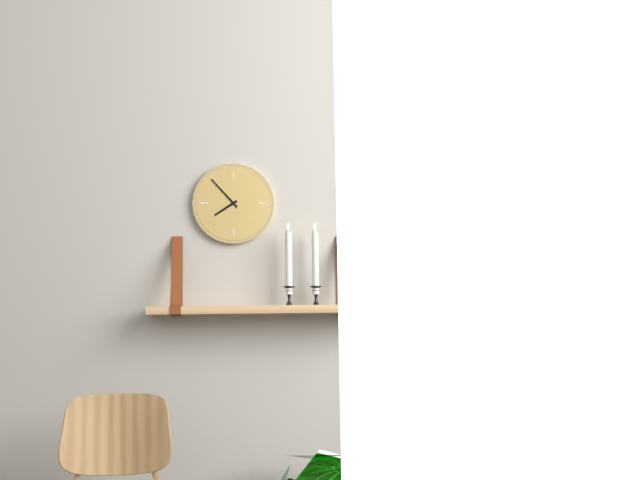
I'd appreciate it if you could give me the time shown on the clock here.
7:53
